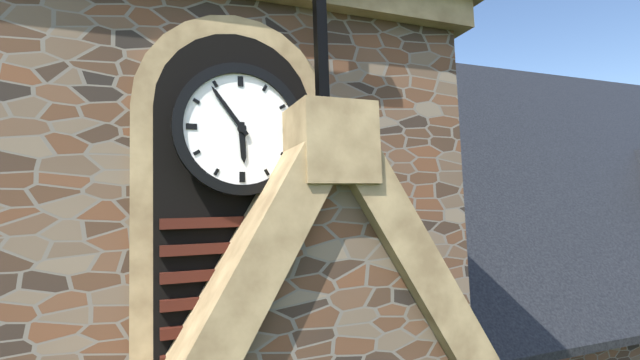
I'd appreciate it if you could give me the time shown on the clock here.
5:54
